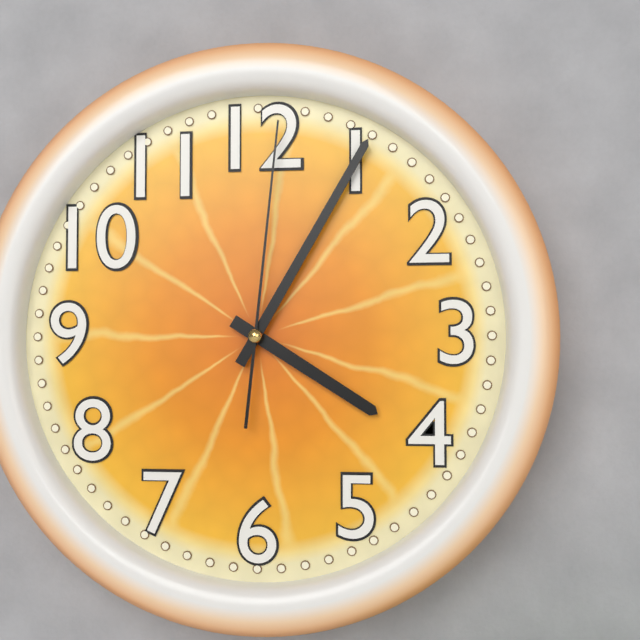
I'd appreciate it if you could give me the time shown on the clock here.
4:05:01
